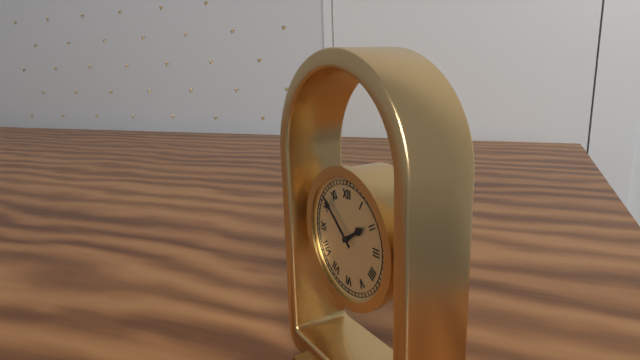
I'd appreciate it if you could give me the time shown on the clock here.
1:52
